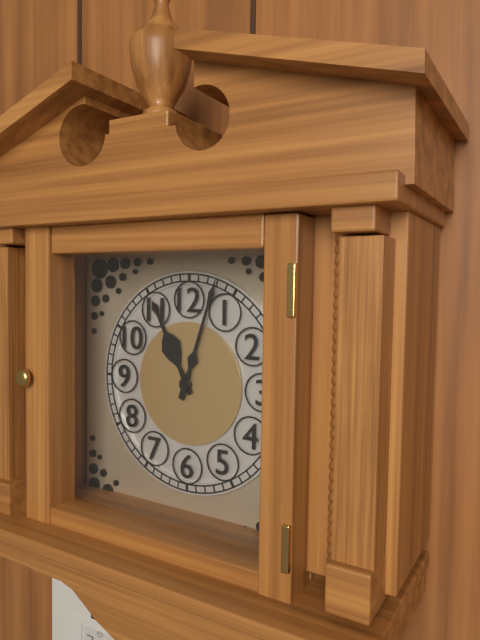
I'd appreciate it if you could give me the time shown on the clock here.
11:03
